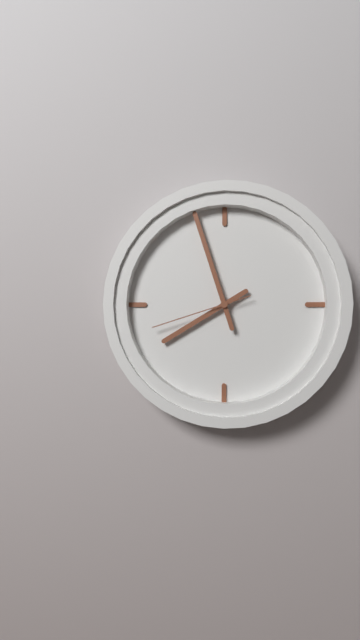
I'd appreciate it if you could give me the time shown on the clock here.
7:57:42
